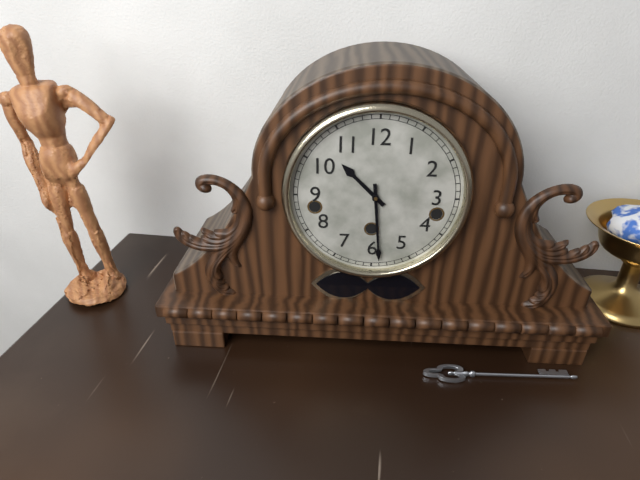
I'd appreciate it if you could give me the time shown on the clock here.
10:29
